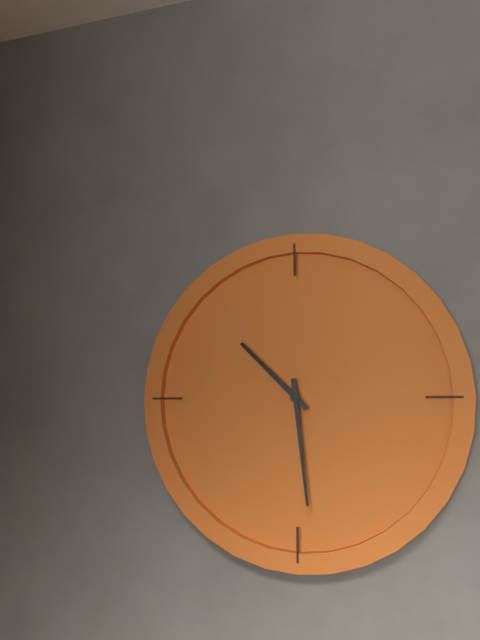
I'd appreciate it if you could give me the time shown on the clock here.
10:29
